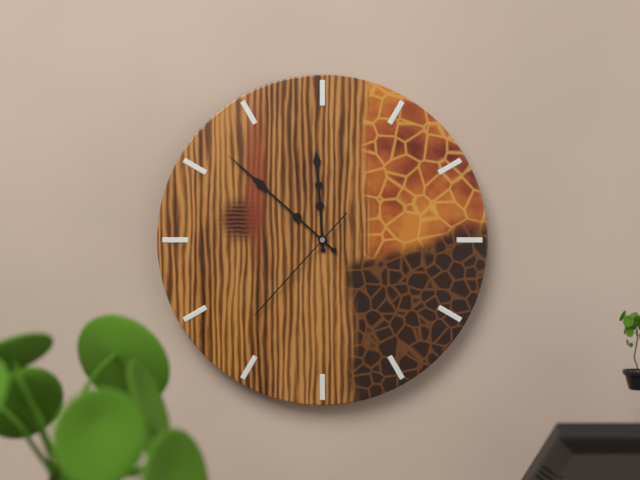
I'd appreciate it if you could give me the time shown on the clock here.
11:52:37
